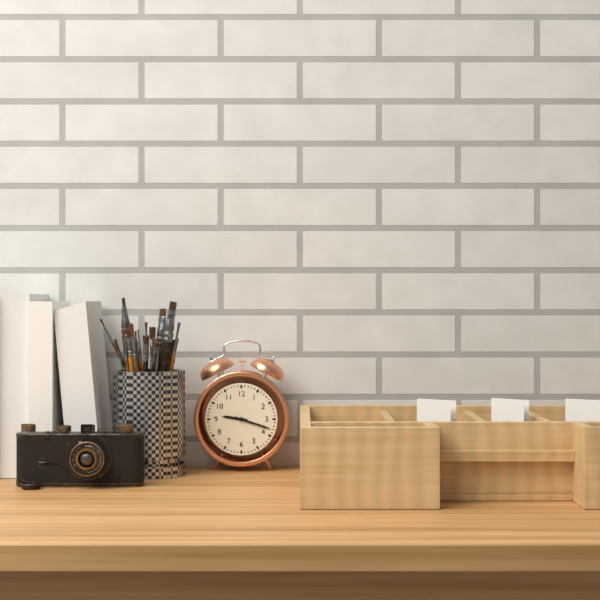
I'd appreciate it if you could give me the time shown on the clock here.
9:18
